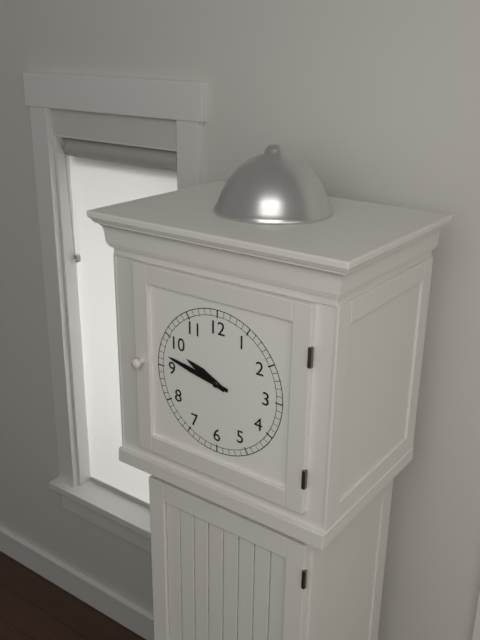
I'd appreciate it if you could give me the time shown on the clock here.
9:47
